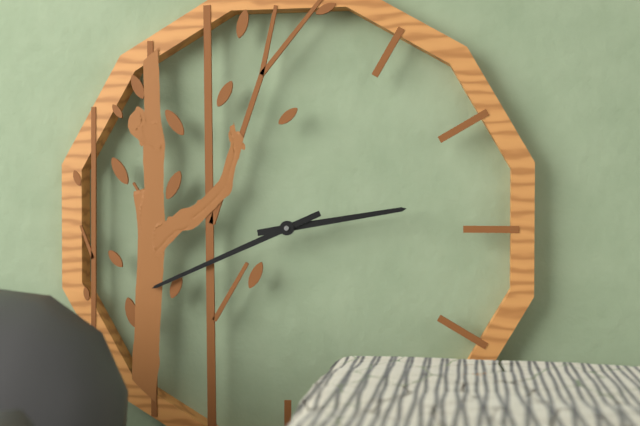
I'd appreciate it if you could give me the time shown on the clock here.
2:41
